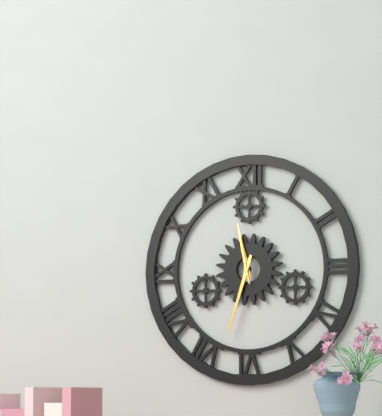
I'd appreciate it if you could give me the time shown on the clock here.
11:33:58
